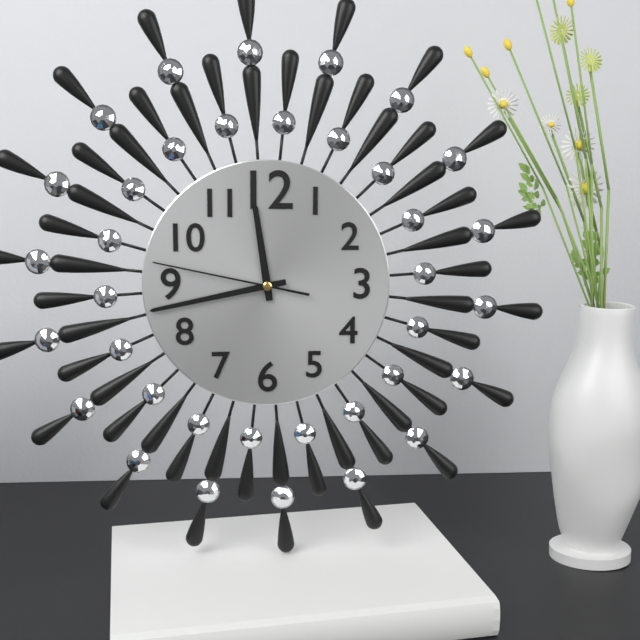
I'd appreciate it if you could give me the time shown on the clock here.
11:43:47
